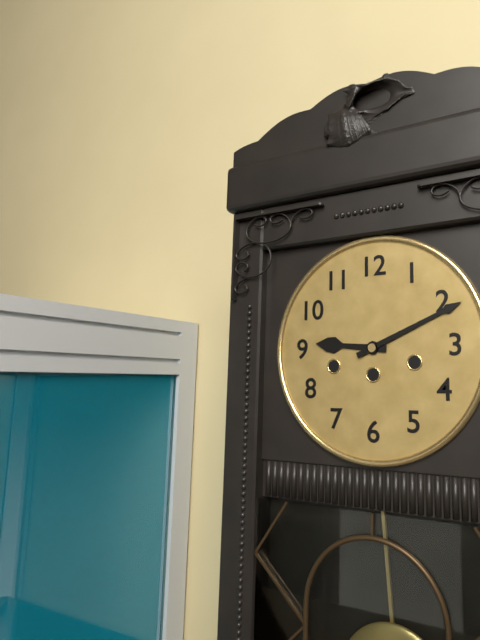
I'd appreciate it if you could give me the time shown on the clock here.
9:11
